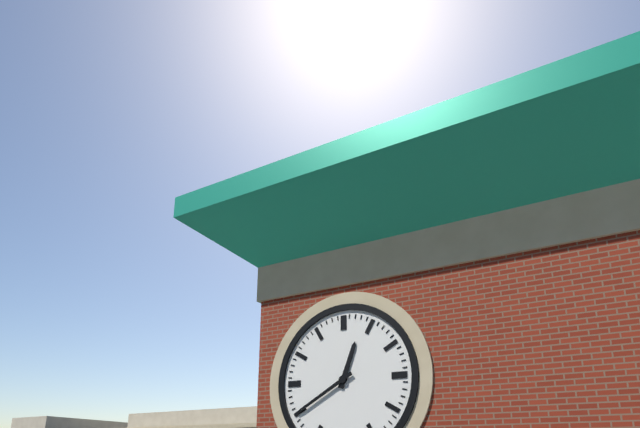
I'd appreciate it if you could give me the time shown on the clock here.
12:40
